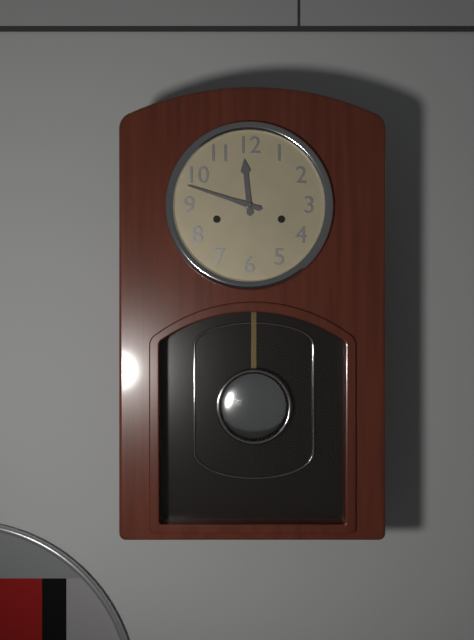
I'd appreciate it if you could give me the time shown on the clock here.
11:48
